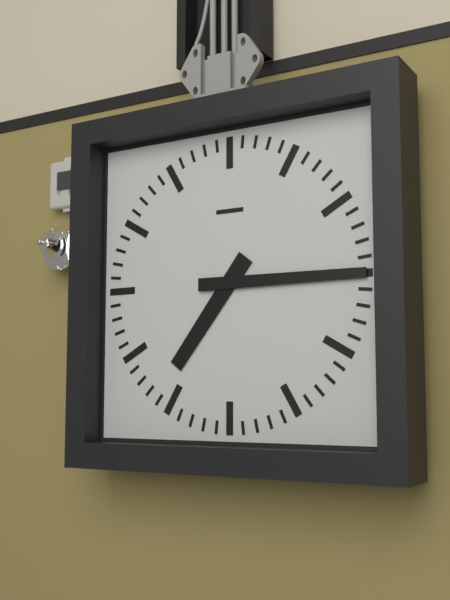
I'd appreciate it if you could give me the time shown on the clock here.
7:15
